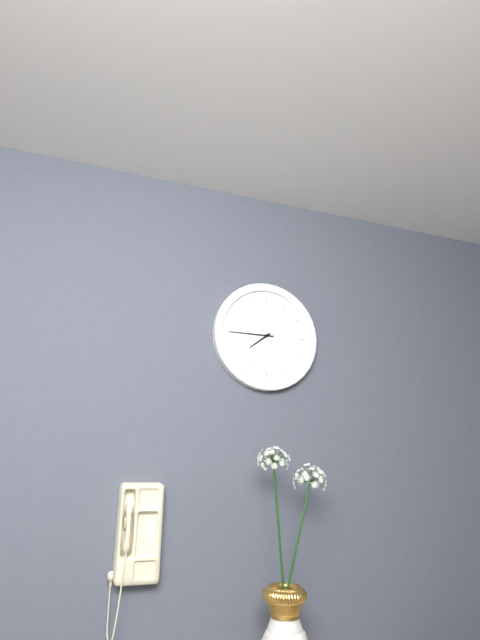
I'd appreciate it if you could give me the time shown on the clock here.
7:45
